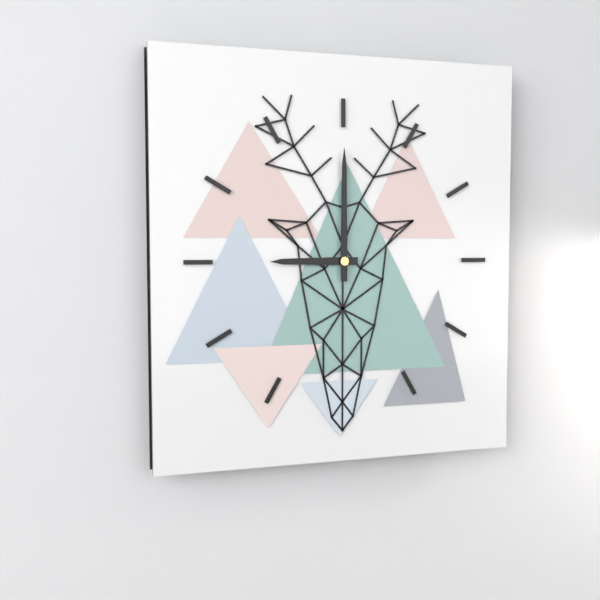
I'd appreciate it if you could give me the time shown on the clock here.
9:00
